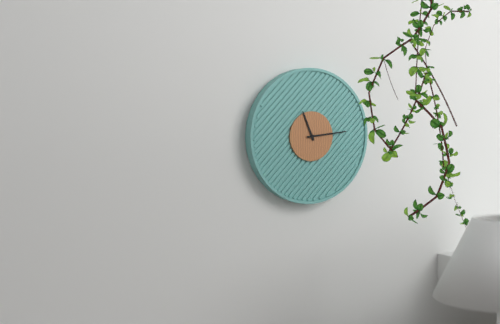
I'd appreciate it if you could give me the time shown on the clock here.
11:14
